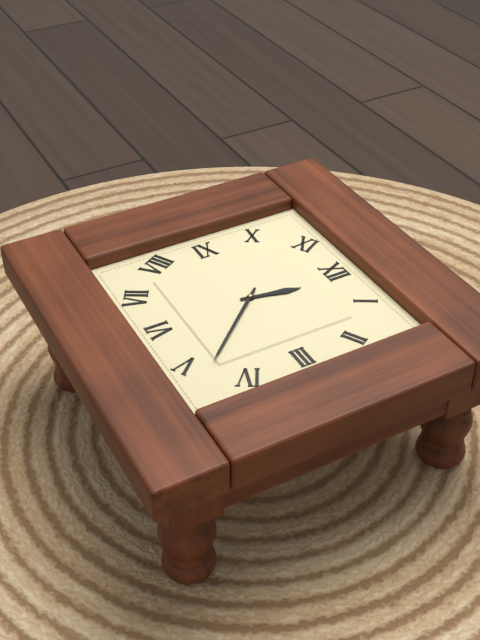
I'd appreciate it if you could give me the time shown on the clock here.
12:23
